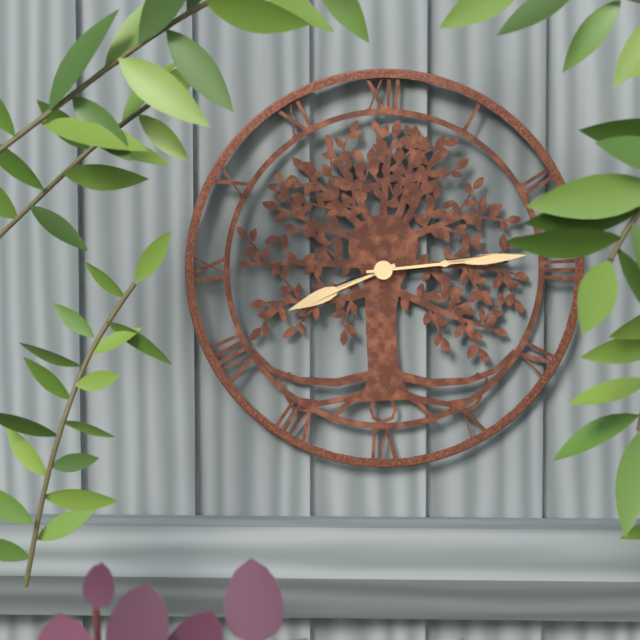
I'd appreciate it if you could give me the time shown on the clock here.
8:14
